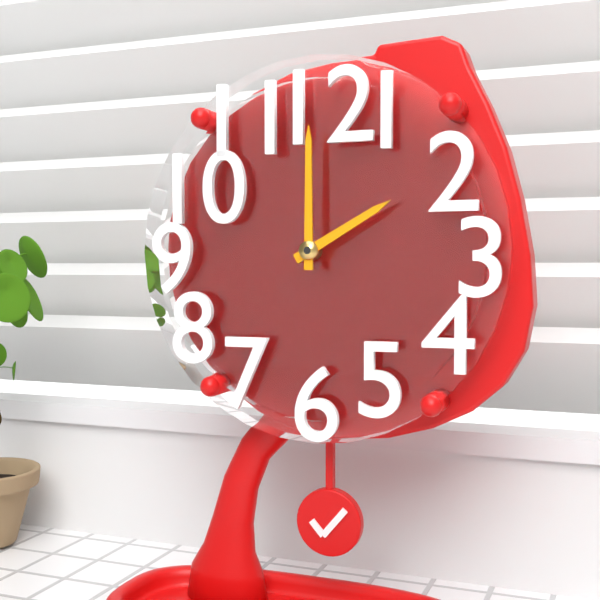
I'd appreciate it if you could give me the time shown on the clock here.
2:00
